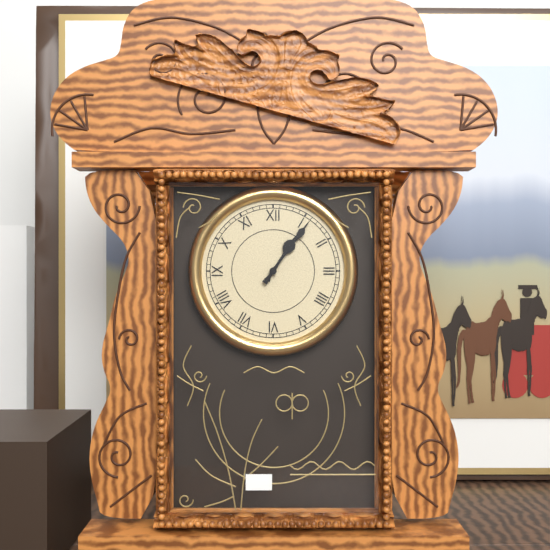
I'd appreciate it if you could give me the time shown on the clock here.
1:06
